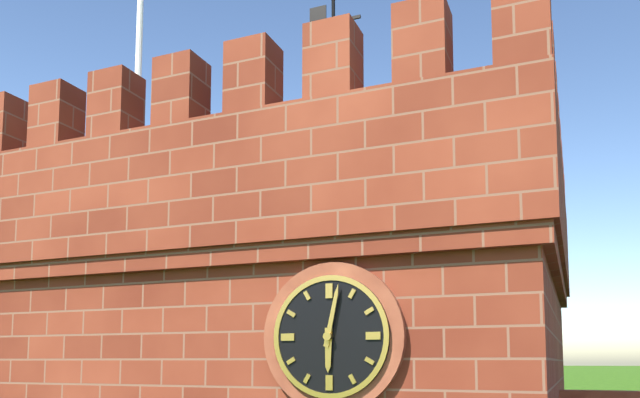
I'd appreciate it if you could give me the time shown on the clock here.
6:02
